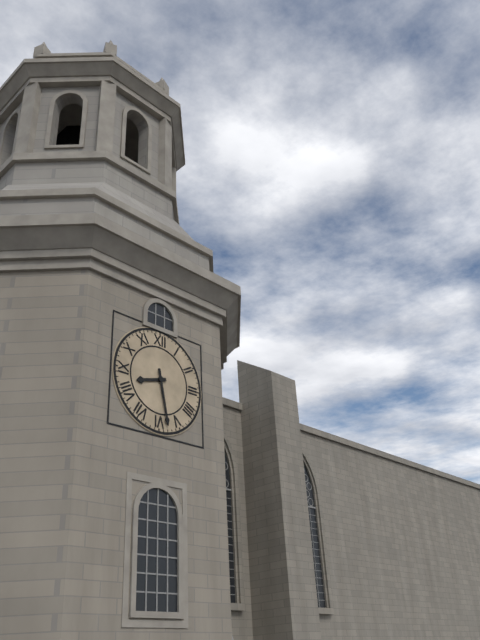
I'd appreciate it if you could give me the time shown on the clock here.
8:28
